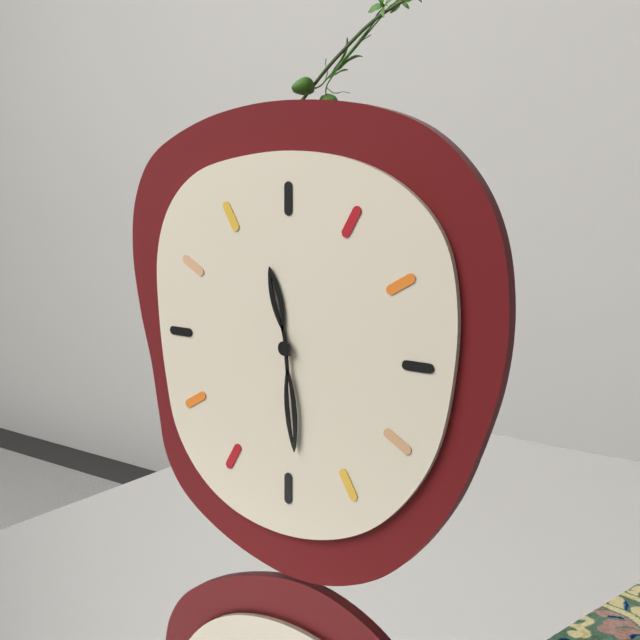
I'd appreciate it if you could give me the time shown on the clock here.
11:29
